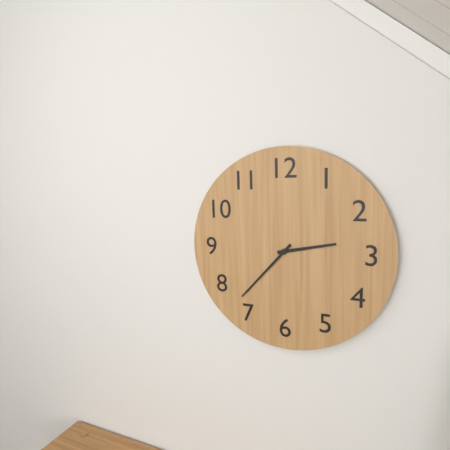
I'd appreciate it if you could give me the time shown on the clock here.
2:37
